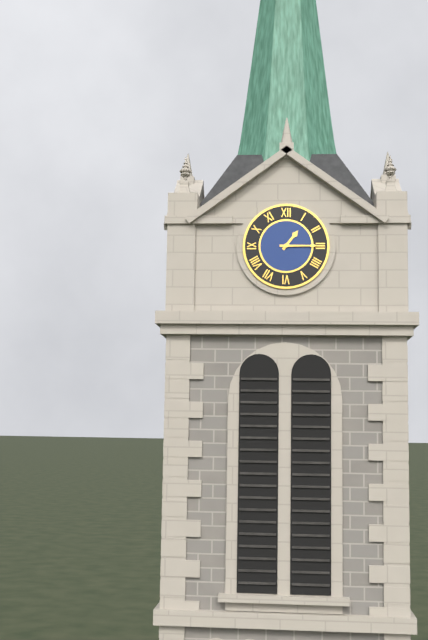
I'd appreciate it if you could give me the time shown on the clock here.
1:15
